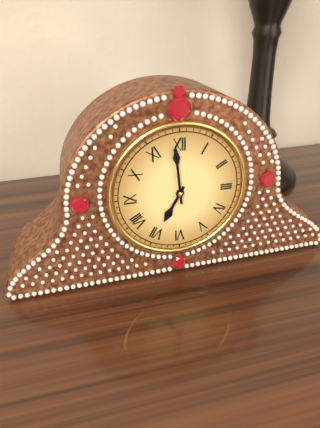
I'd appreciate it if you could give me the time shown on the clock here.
6:59
